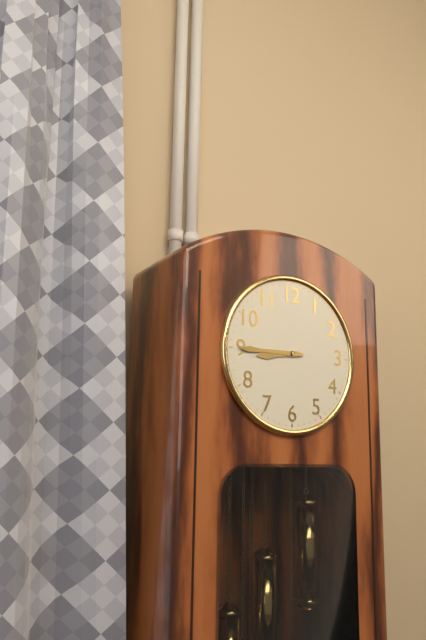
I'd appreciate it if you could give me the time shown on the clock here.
8:45
